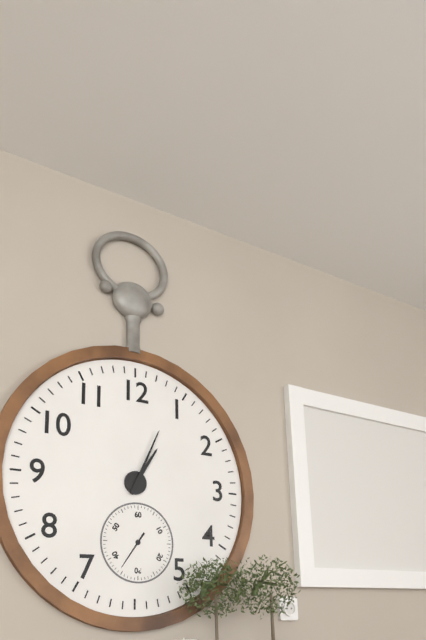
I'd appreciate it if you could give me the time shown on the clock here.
1:04
